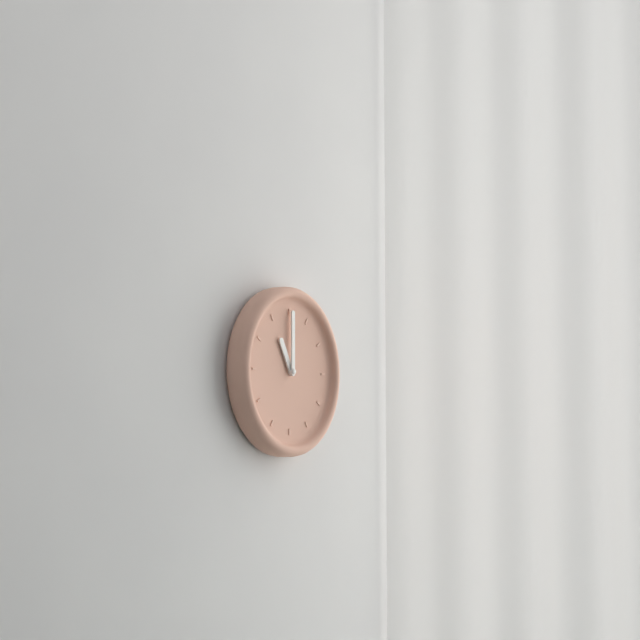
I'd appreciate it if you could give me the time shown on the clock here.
11:00
